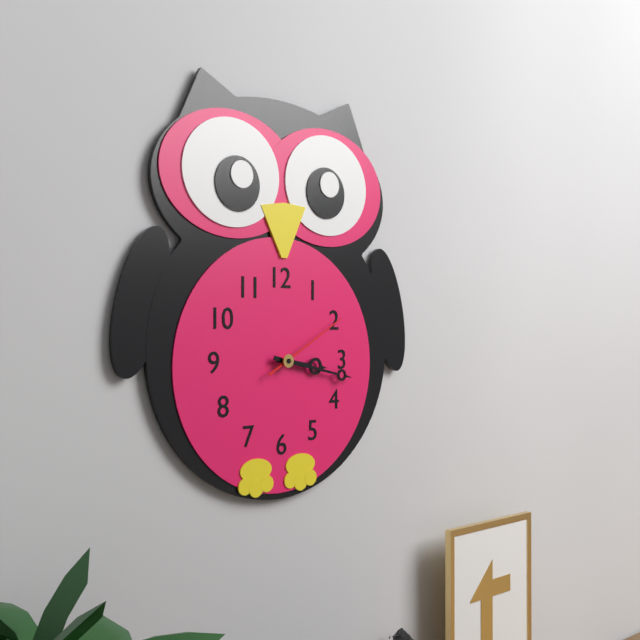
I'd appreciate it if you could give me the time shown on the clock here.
3:17:10
